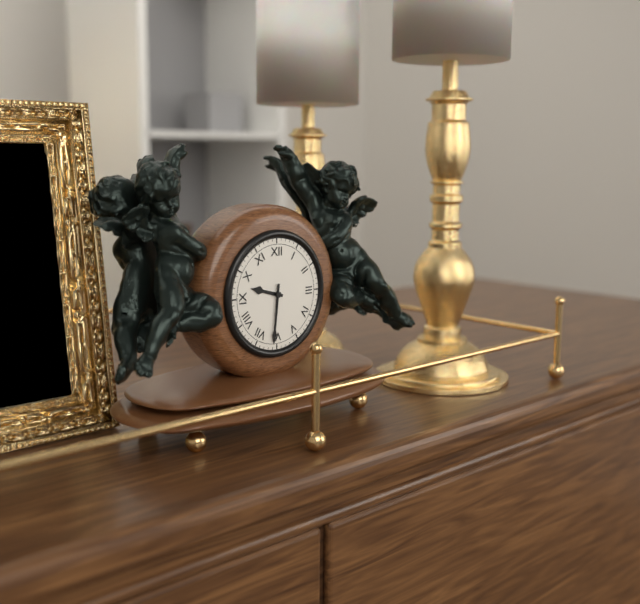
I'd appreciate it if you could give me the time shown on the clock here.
9:31
